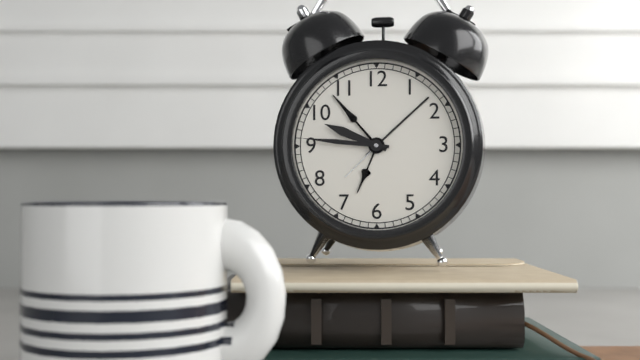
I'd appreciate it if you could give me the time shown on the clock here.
9:46
